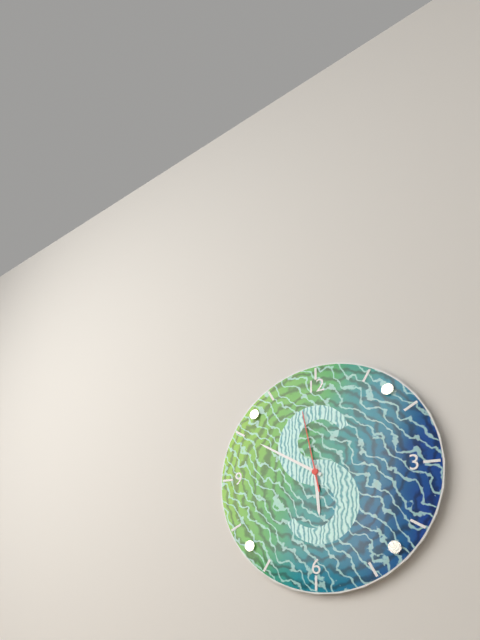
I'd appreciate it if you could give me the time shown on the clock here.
5:50:58
